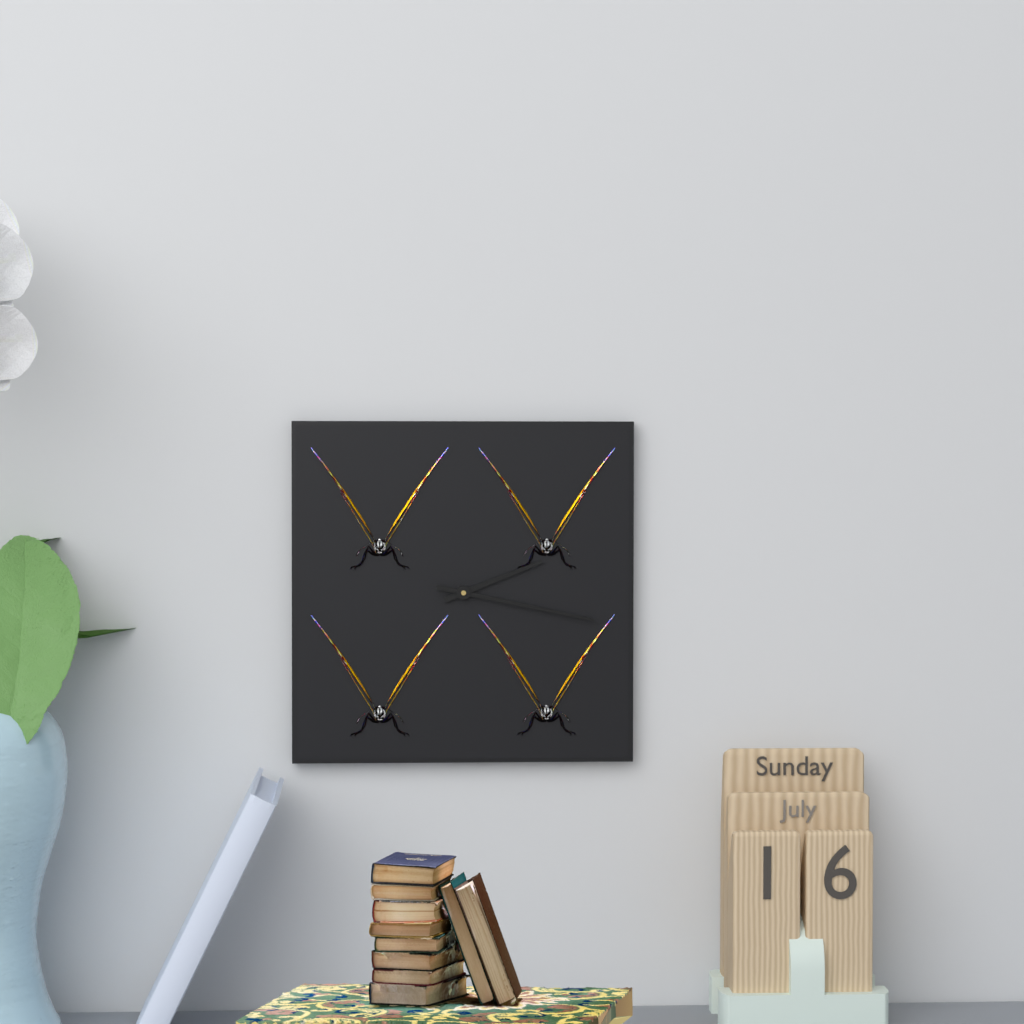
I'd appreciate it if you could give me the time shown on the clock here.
2:17
